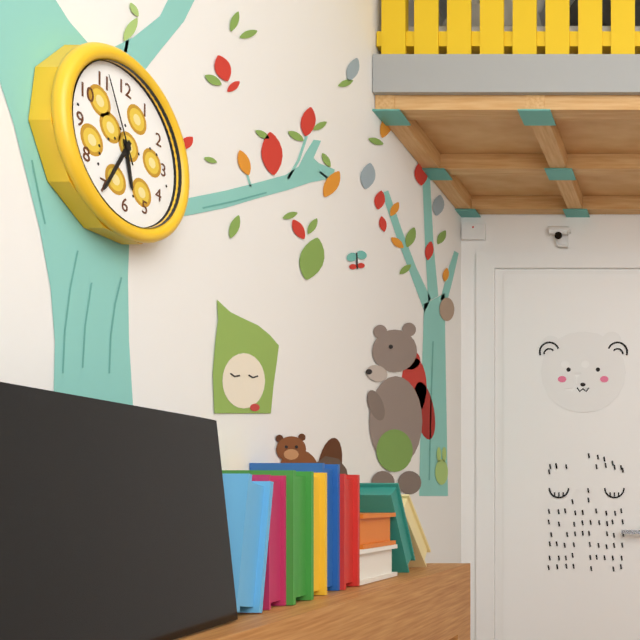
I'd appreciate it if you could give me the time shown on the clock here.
5:35:56
